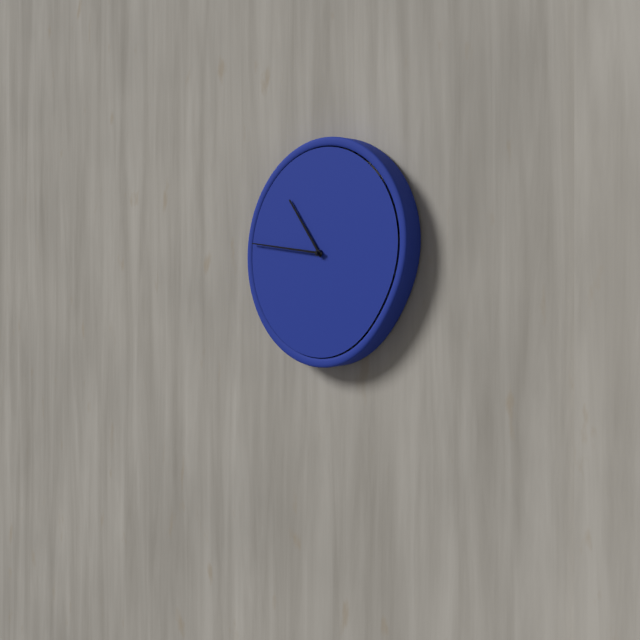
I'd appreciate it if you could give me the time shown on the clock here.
10:46
